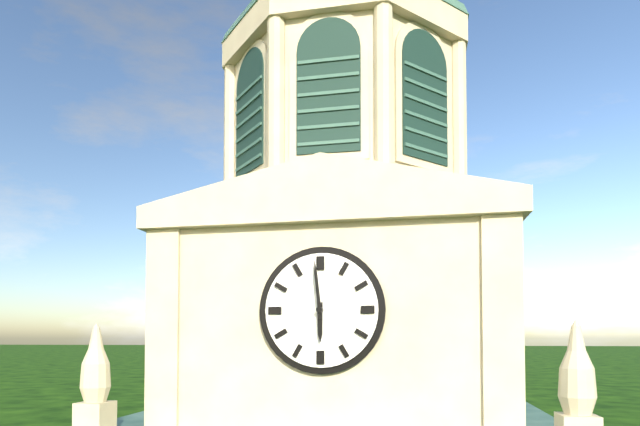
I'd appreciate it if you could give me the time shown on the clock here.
5:59
